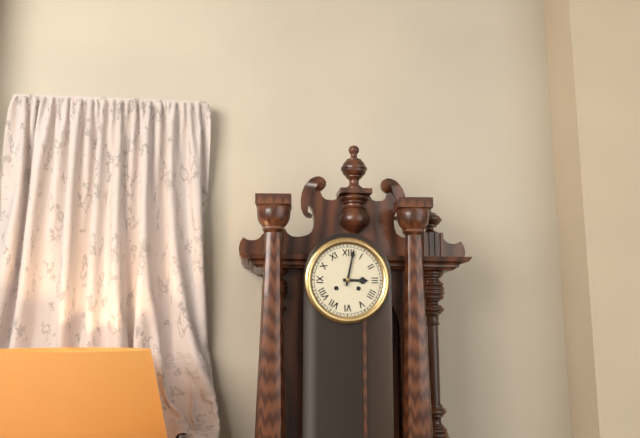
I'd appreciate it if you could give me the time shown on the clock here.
3:02
